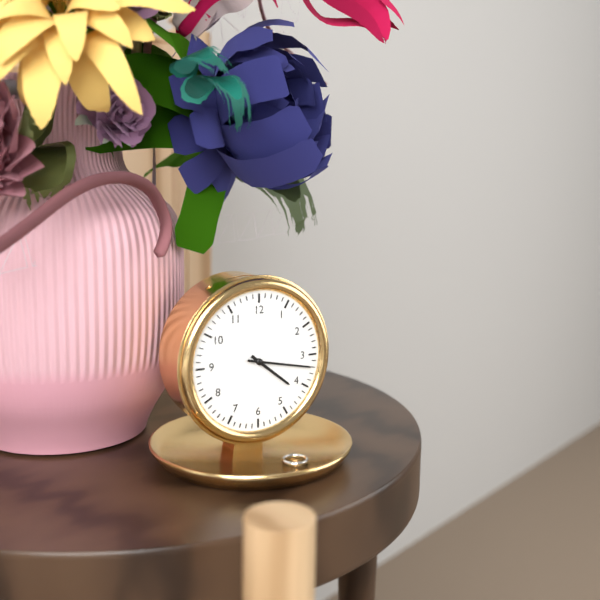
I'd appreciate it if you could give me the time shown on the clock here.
4:17
